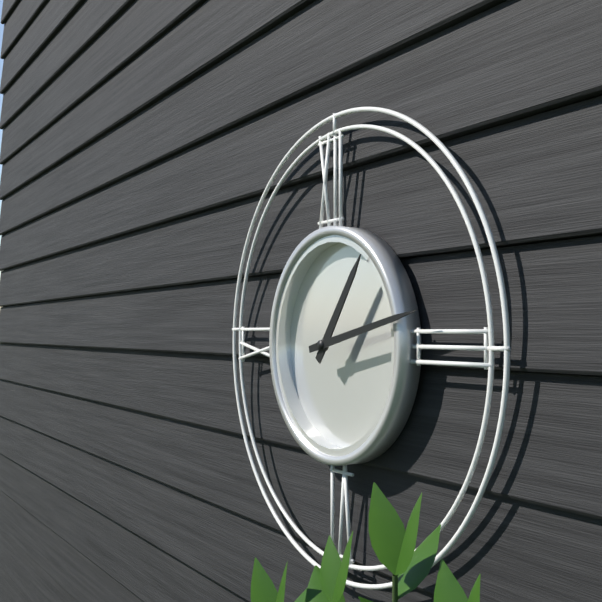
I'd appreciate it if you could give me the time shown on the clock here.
1:13
